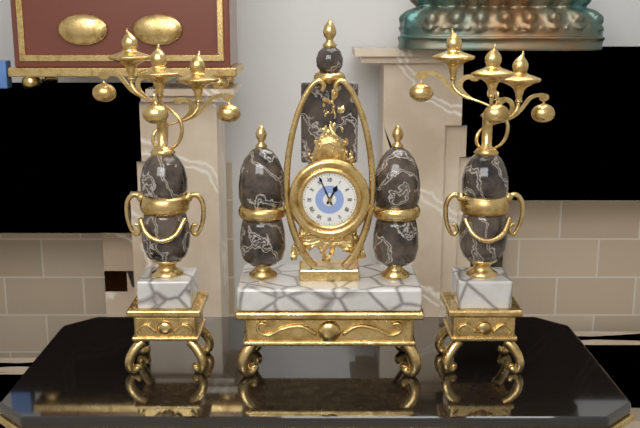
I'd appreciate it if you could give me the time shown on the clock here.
12:56
